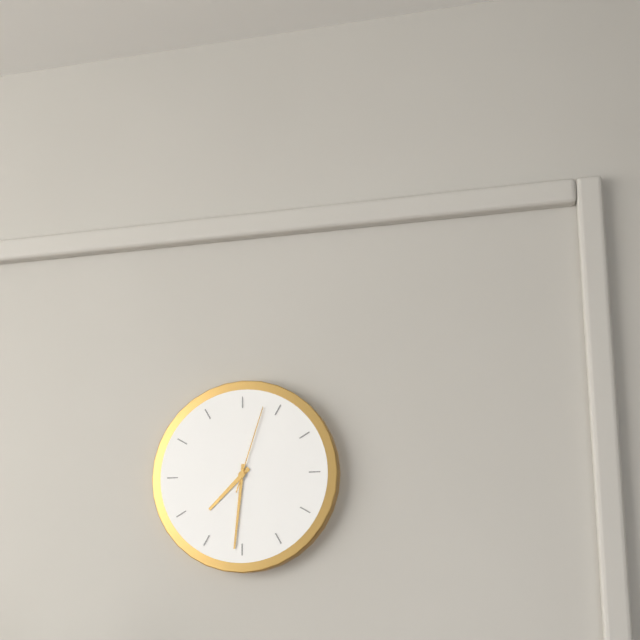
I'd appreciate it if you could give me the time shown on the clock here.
7:31:03
